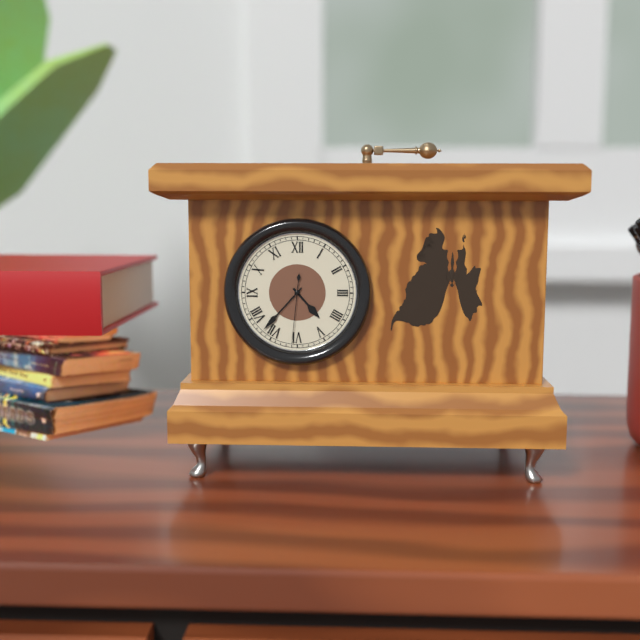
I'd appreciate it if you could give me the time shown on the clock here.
4:37:31
